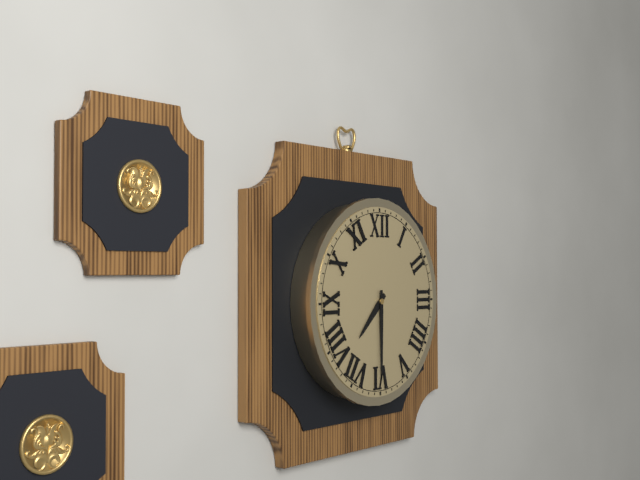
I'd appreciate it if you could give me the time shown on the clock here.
7:30
